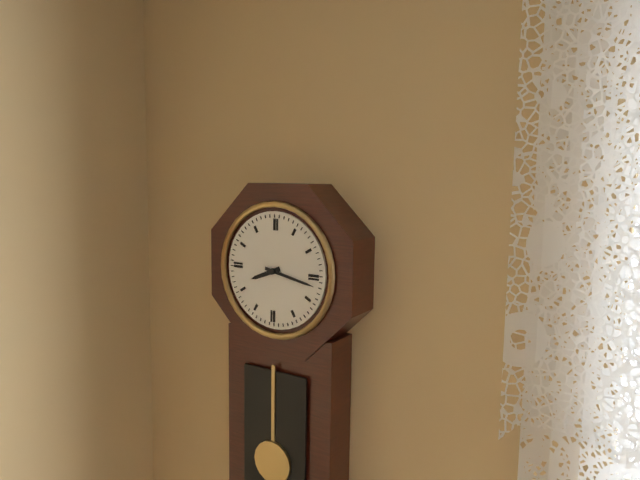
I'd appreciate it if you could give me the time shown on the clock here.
8:17
